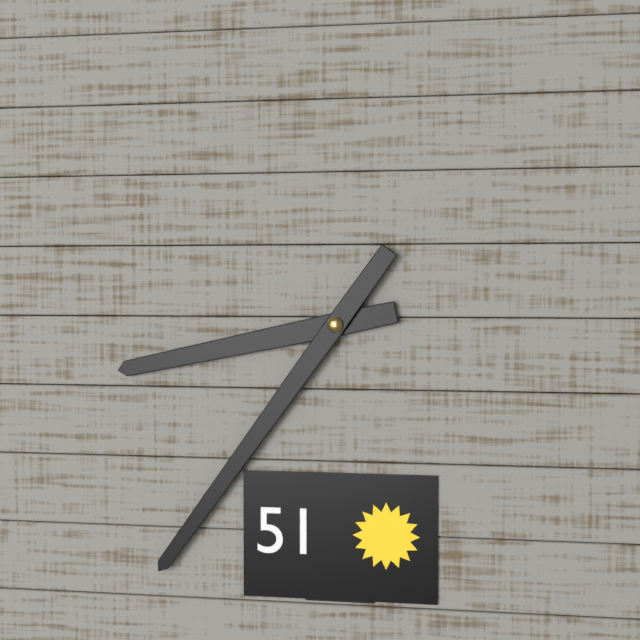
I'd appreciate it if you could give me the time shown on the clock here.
8:36
